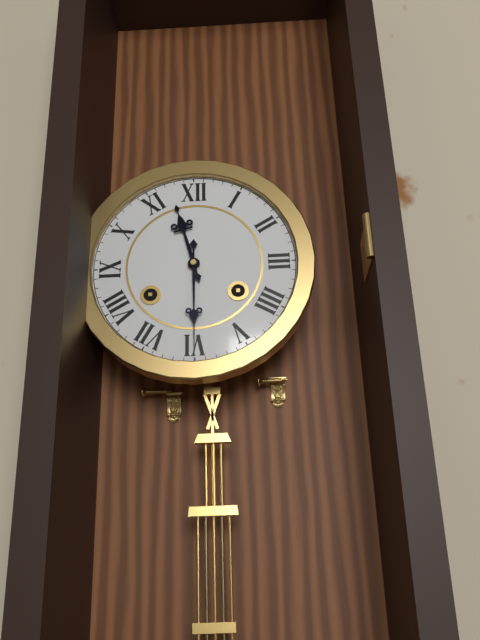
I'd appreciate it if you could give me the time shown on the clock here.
11:30
